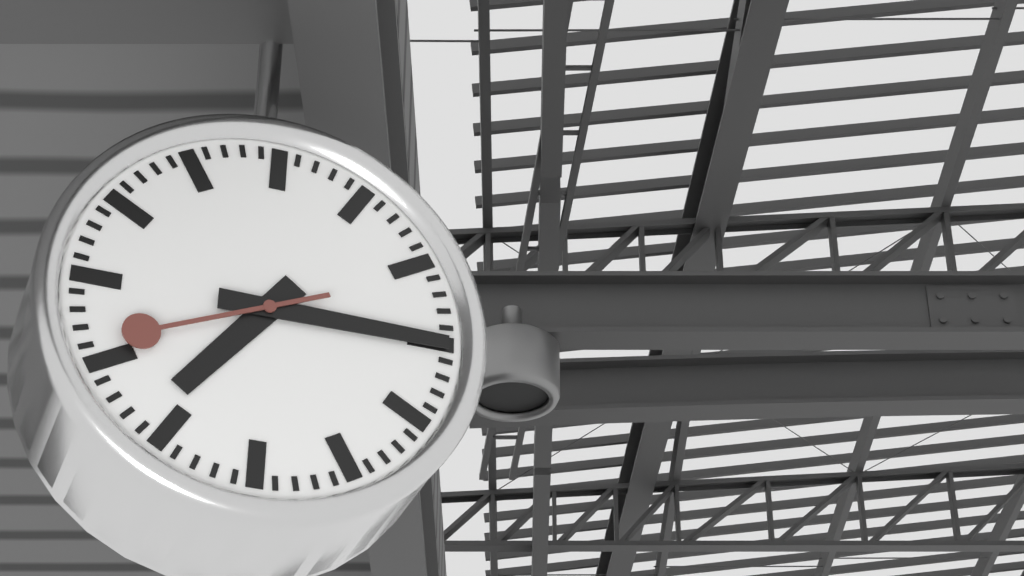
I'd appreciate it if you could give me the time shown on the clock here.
7:15:41
